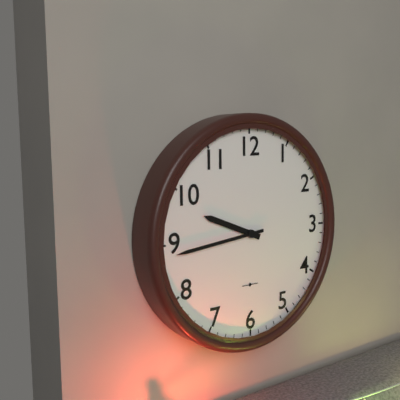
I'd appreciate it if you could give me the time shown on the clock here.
9:44
